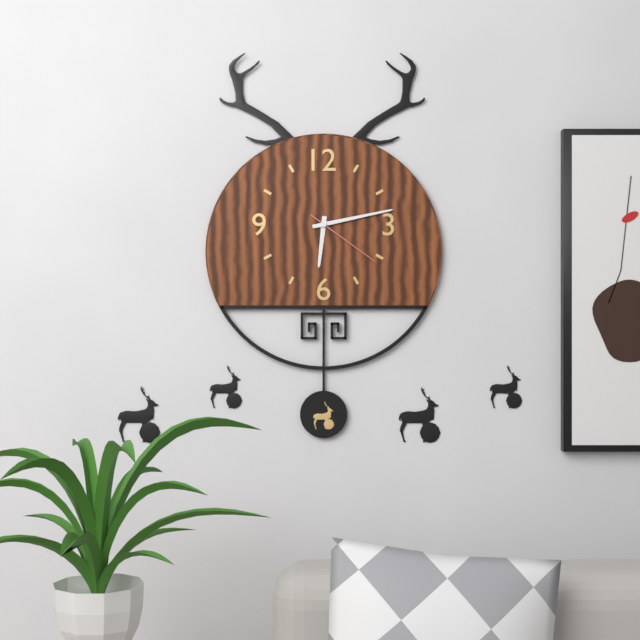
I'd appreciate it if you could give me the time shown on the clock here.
6:13:21
